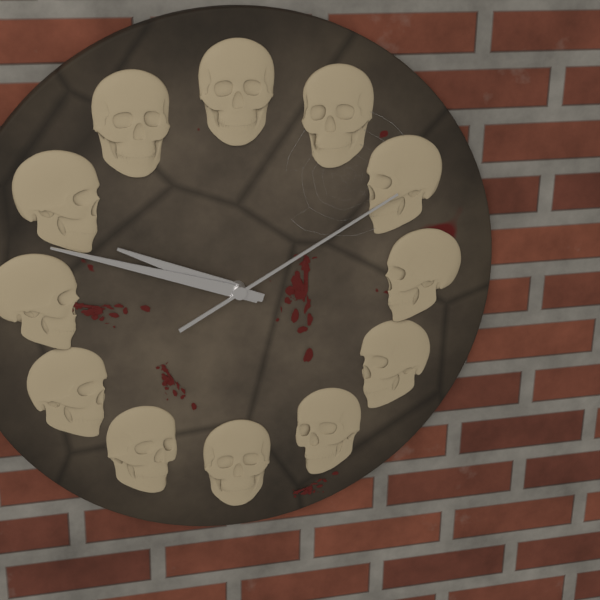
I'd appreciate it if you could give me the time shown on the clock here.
9:48:10
